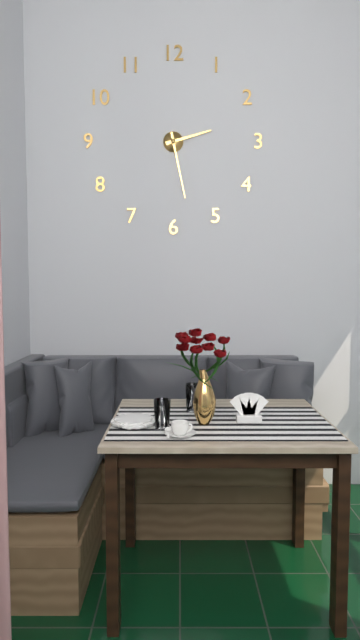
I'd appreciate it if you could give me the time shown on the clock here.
2:28
